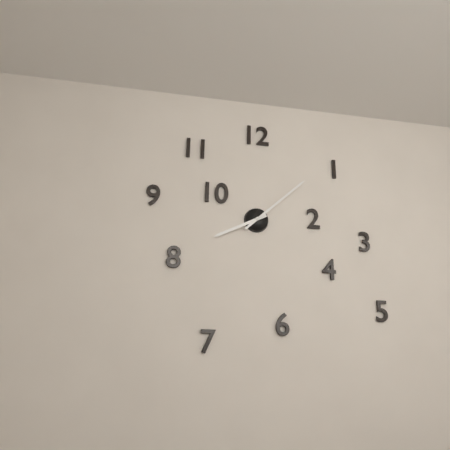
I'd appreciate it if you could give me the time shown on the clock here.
8:08
